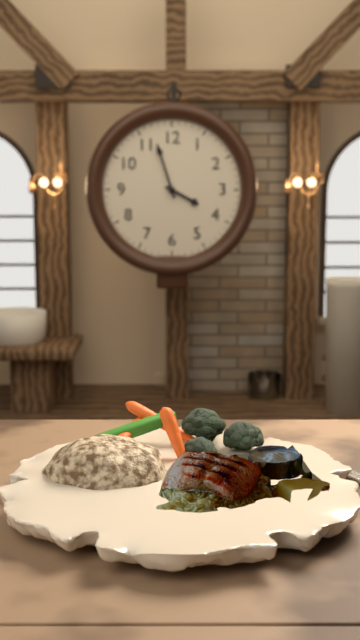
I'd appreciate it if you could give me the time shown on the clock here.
3:57
